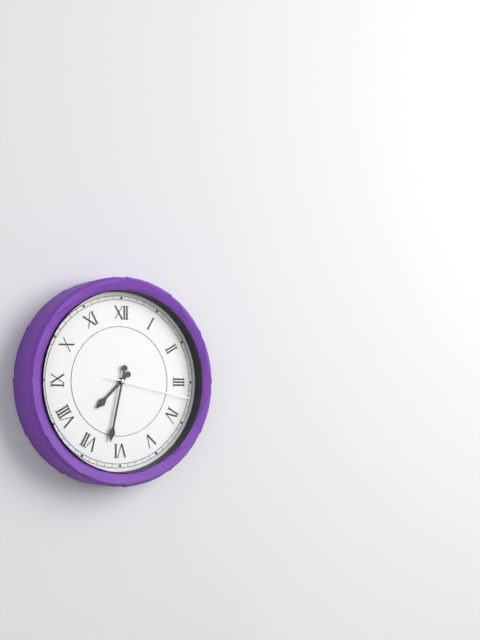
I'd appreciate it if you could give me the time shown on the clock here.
7:32:17
